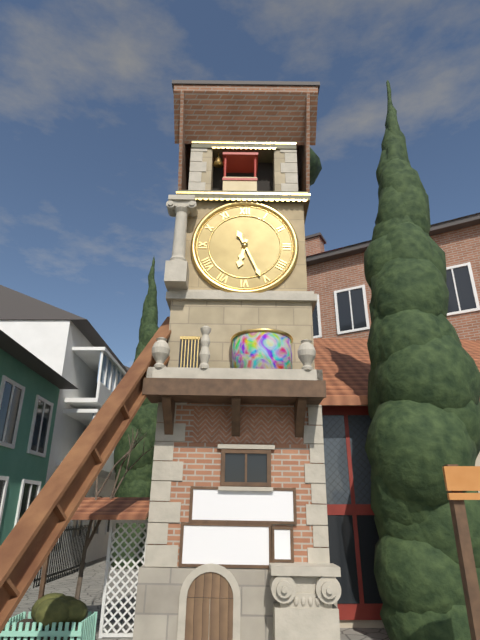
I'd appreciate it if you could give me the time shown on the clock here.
6:26
